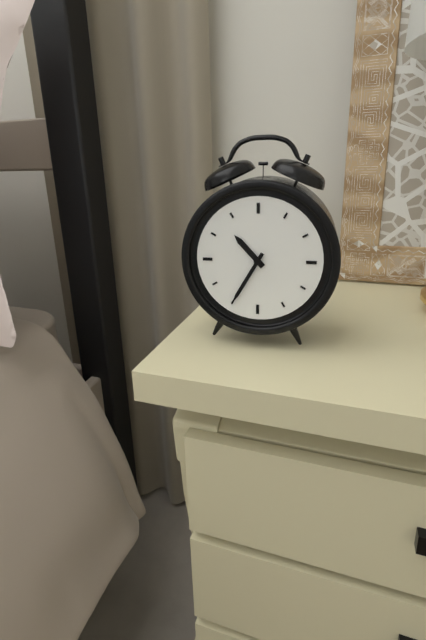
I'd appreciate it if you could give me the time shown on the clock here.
10:35
